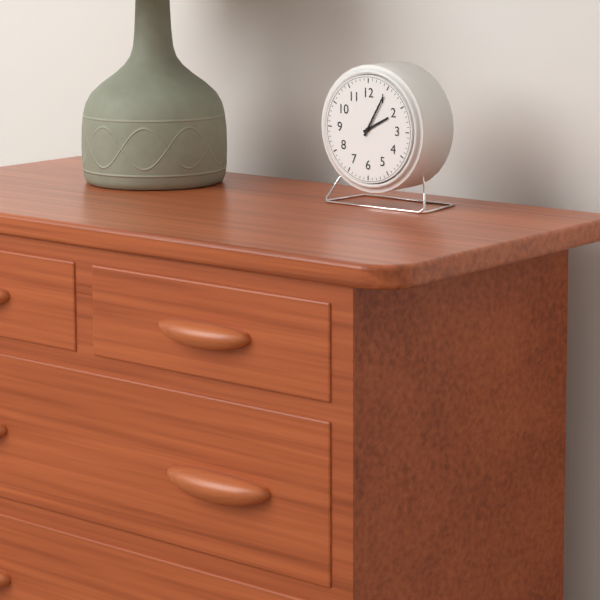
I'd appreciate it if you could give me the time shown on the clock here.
2:05
